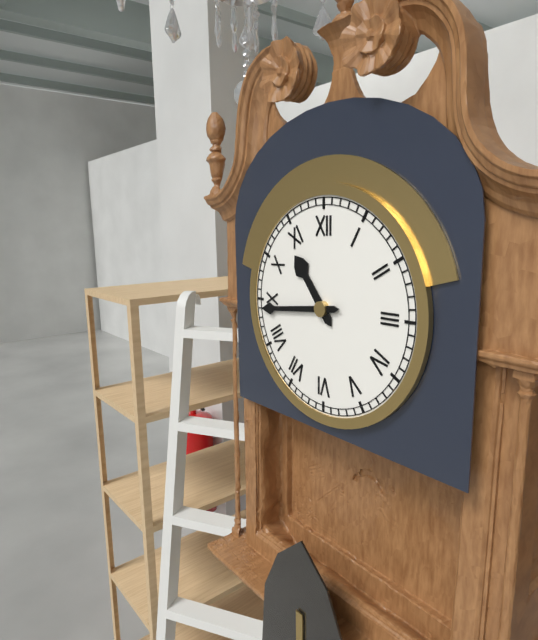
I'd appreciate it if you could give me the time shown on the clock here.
10:44
